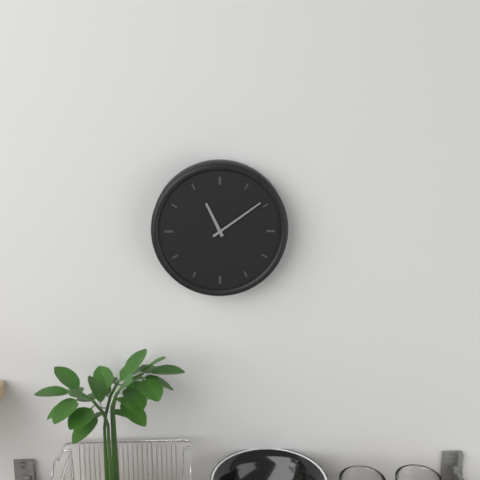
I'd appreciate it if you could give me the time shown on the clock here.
11:09
